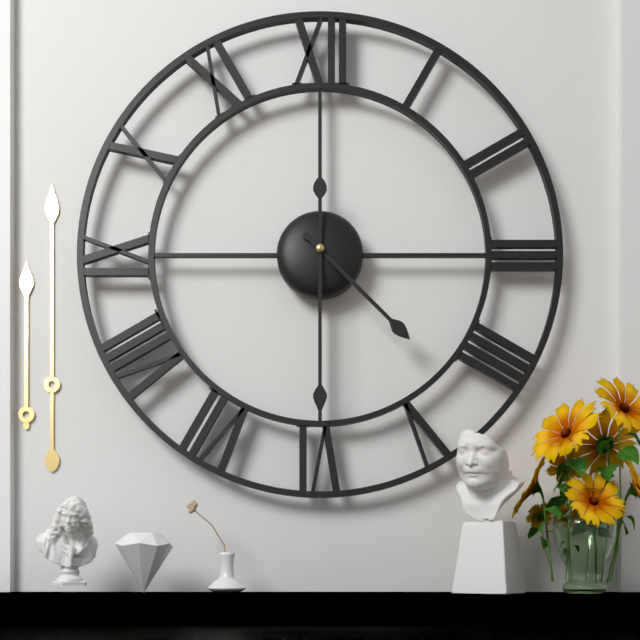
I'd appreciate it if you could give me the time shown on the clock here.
4:30
